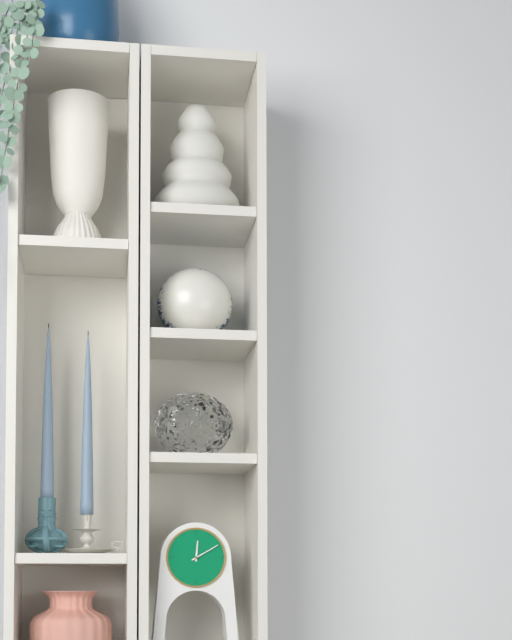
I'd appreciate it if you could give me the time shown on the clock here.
12:10
